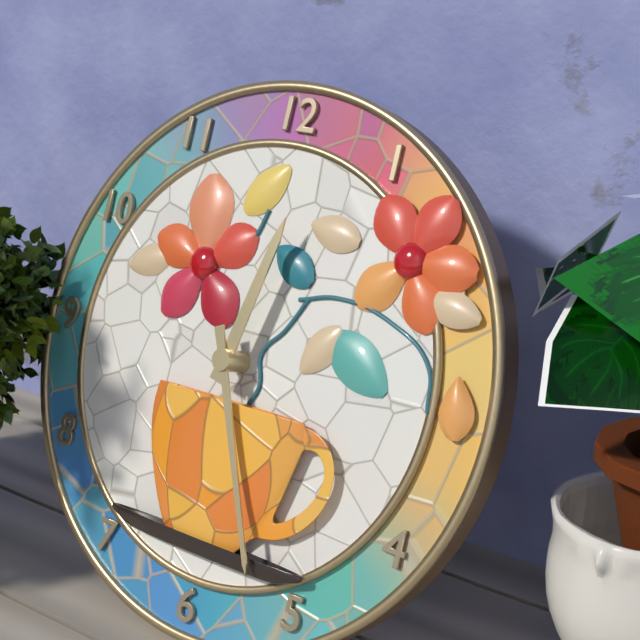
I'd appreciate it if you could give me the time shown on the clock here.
12:26
